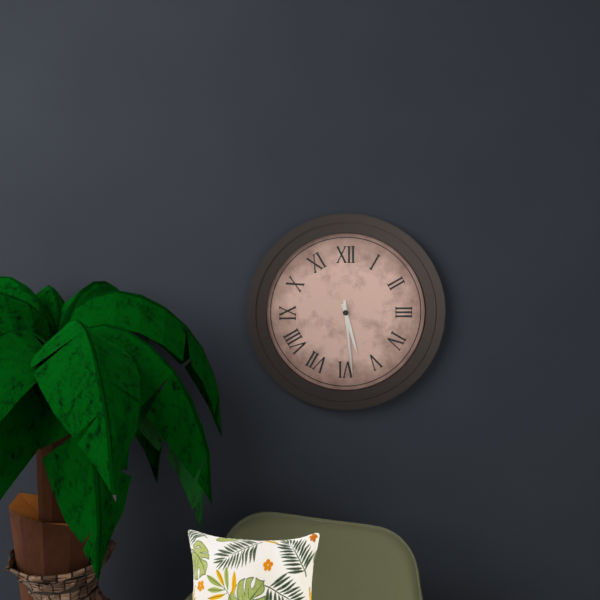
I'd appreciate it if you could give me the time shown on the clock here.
5:29
